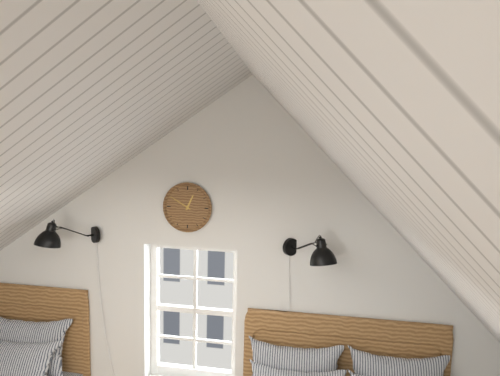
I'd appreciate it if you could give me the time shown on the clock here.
12:50
